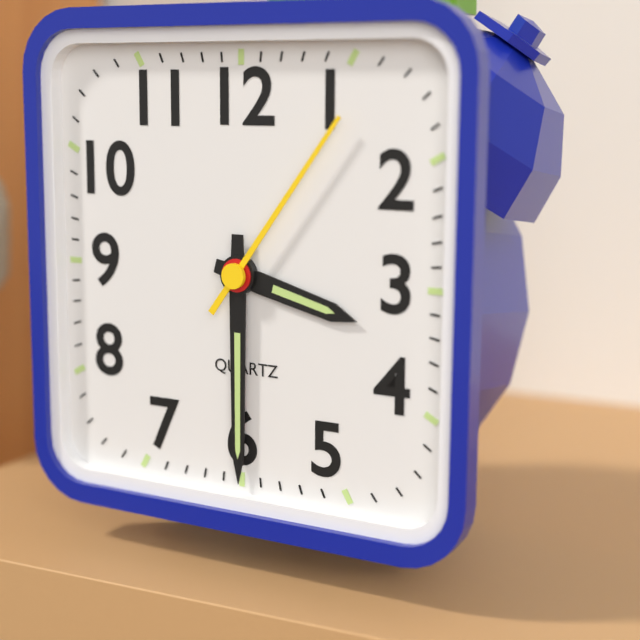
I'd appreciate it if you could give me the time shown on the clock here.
3:30:06
